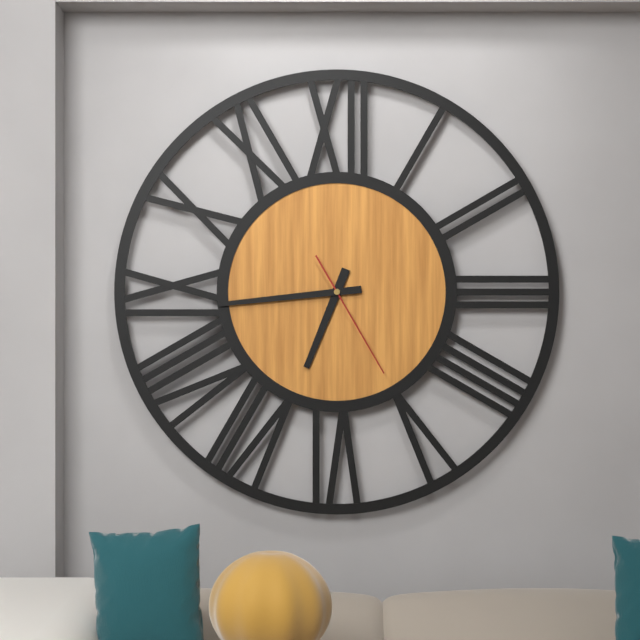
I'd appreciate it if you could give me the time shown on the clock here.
6:44:25
